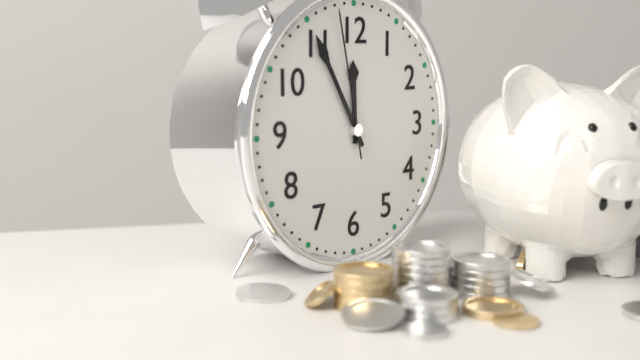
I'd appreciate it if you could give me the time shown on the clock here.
11:55:58
